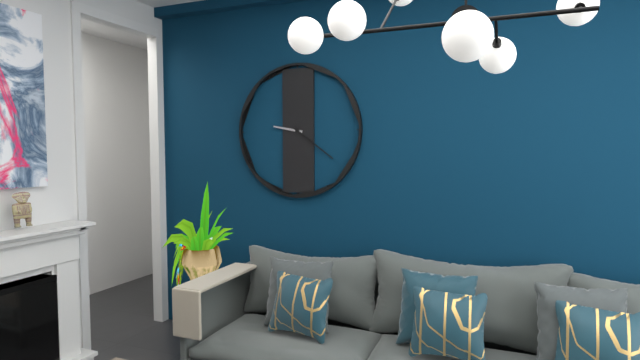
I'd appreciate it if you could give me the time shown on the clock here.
9:21
